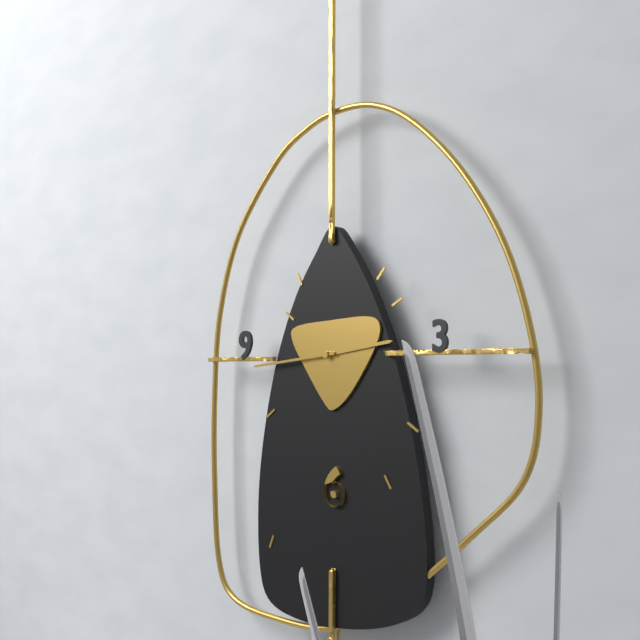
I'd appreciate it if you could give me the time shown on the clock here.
2:44
